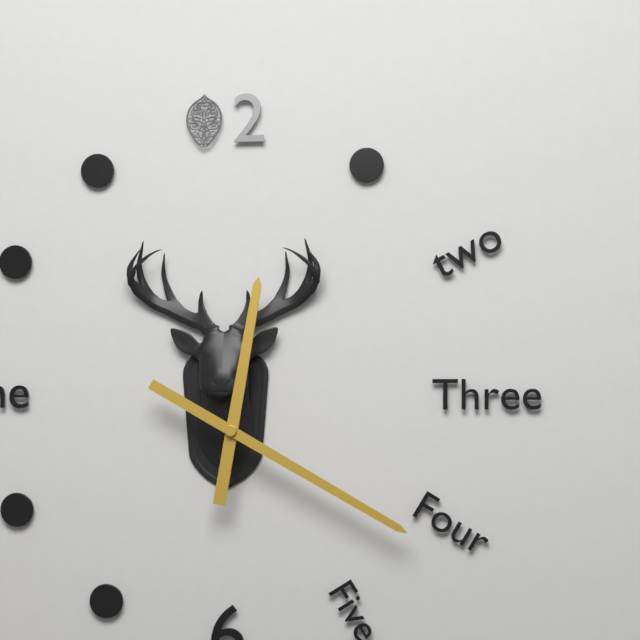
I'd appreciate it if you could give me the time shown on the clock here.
12:20
